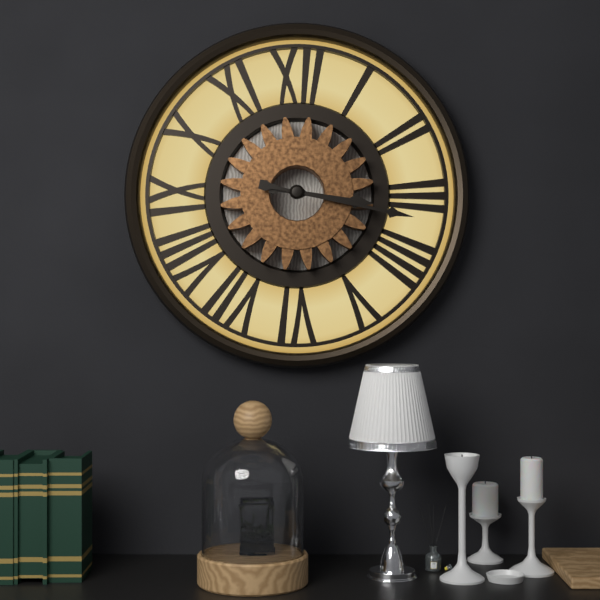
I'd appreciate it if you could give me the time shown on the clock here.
3:17
